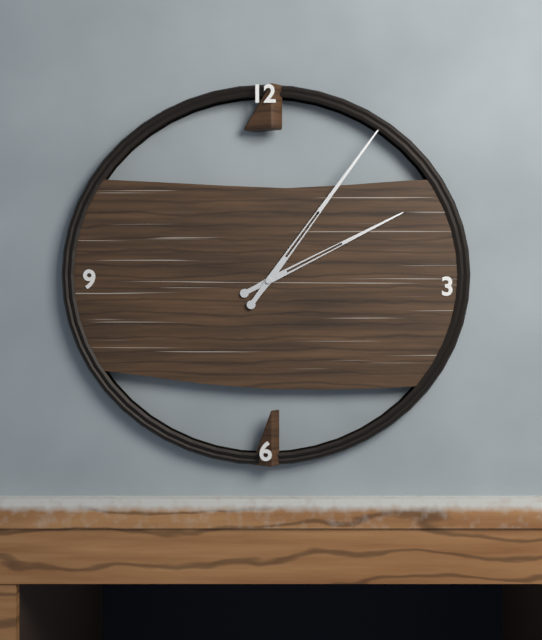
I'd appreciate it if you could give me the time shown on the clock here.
2:06
